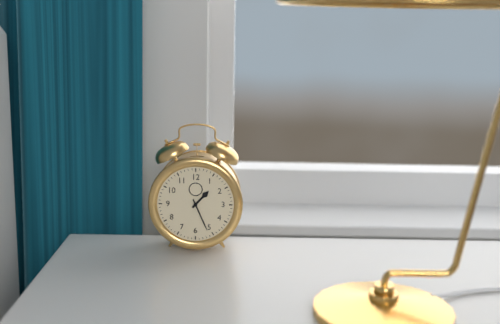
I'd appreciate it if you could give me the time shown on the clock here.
1:26
